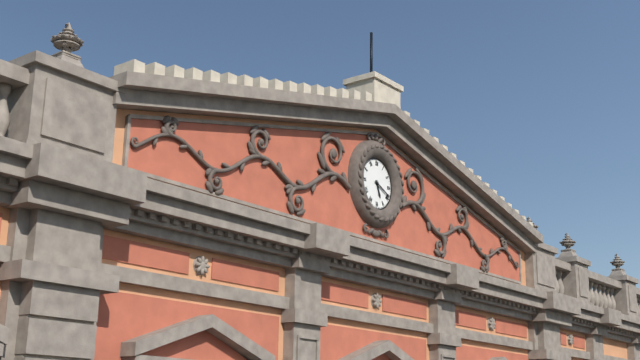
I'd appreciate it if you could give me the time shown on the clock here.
5:19
